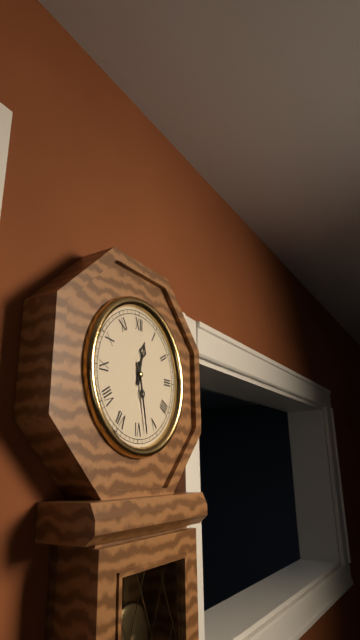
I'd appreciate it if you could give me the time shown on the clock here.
12:28
